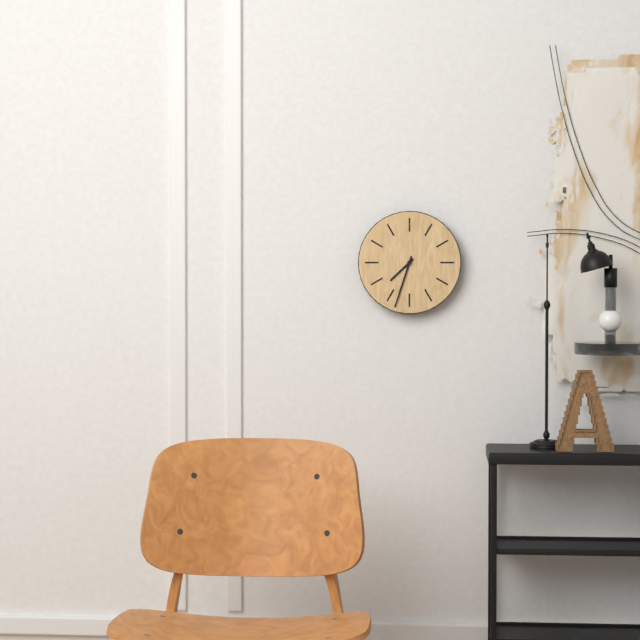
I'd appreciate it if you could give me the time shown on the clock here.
7:33
